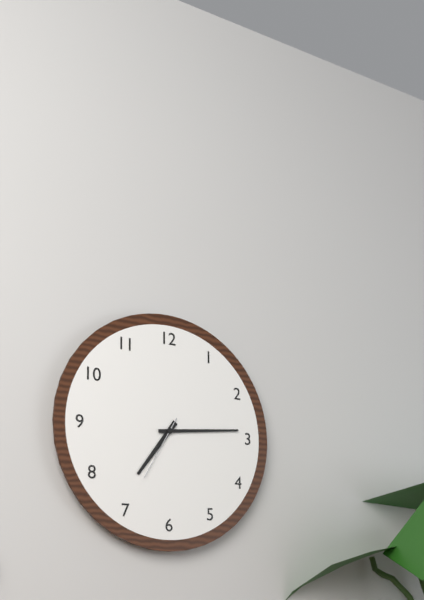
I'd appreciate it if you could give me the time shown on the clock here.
7:14:35
